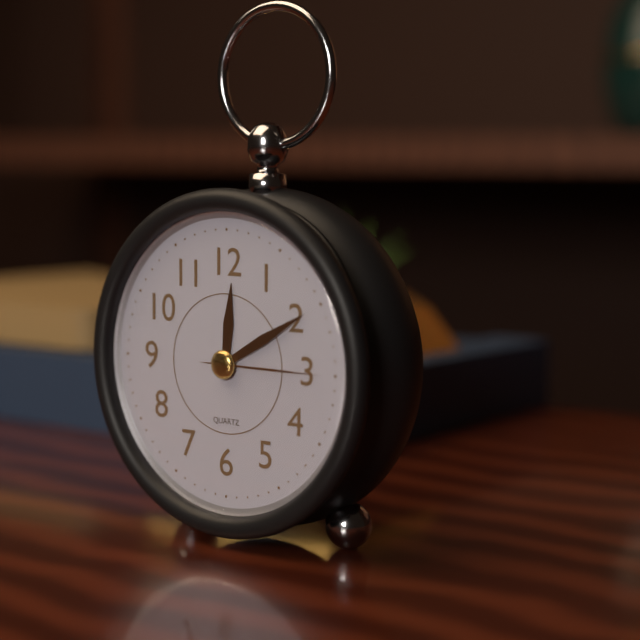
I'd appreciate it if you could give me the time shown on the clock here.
12:10:15
